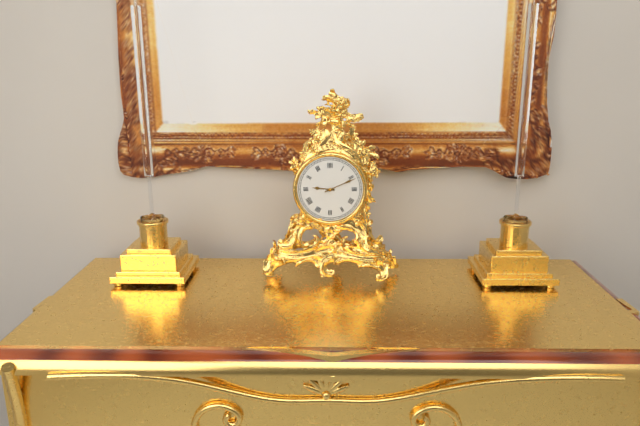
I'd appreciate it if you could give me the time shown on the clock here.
9:11
